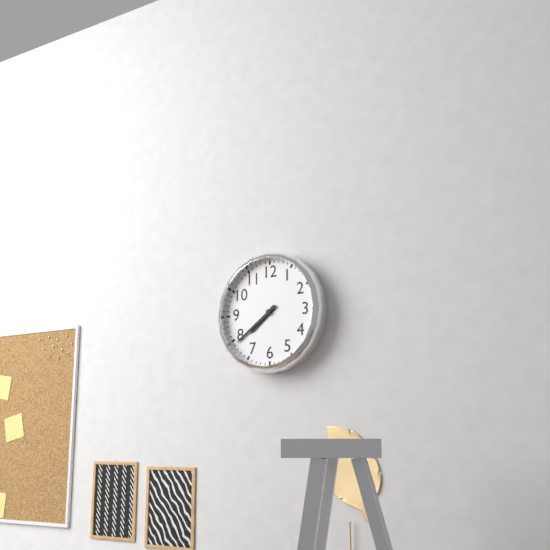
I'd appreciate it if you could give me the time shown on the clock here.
7:39
